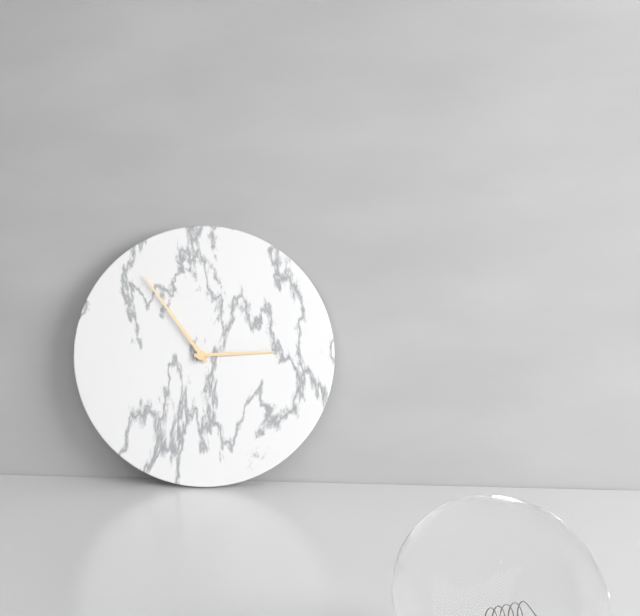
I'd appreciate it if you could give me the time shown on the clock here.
2:54
